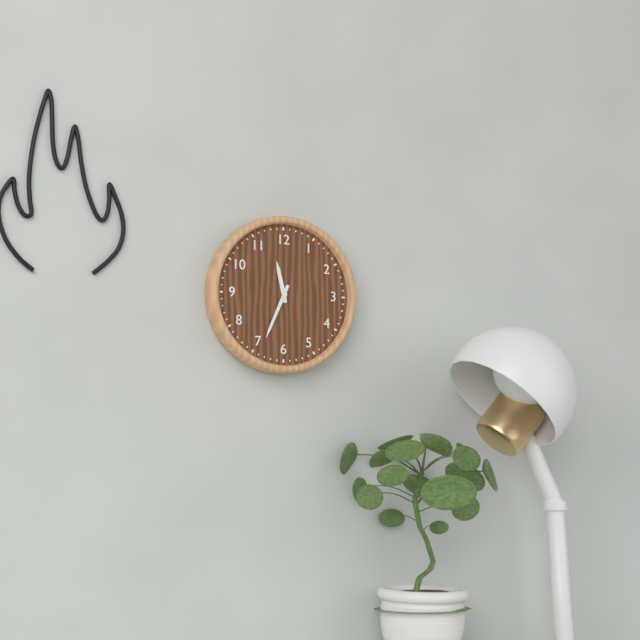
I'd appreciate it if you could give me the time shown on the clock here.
11:34
